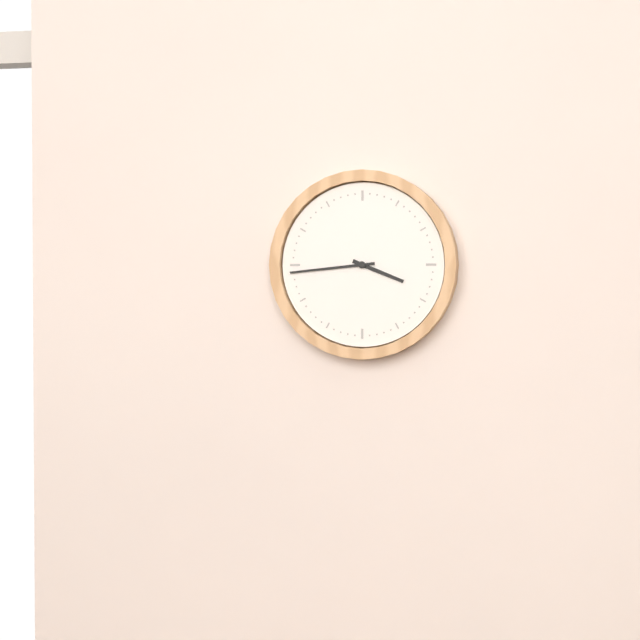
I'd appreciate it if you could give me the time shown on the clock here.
3:44
